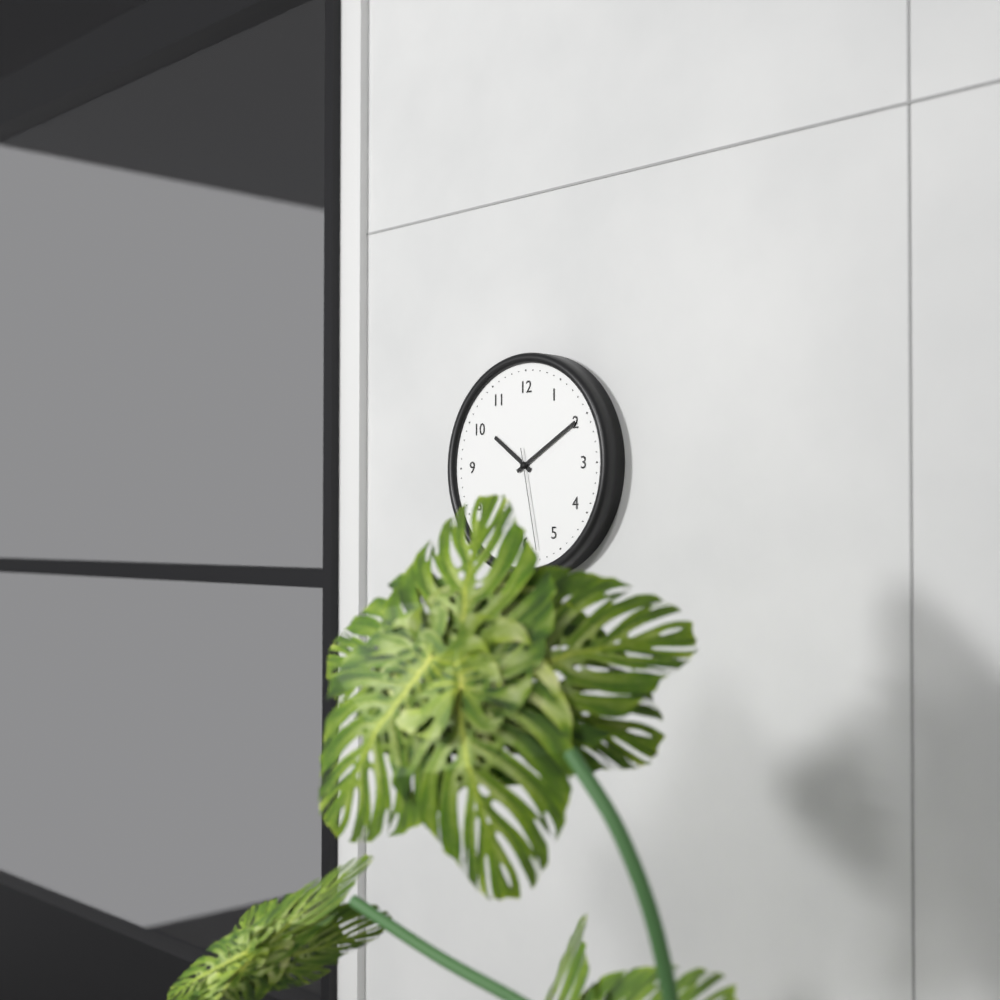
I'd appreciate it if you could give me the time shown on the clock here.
10:10:28
